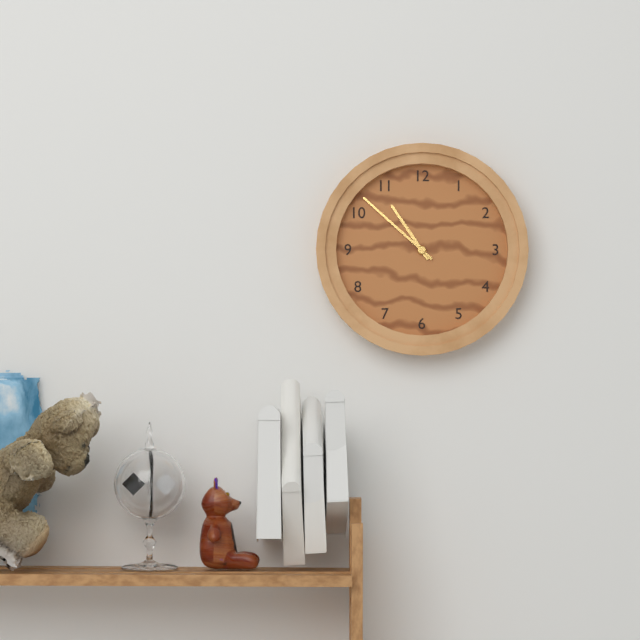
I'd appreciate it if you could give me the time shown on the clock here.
10:52
